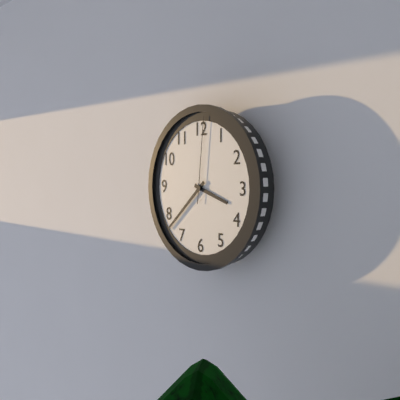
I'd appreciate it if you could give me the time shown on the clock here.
3:38:01
